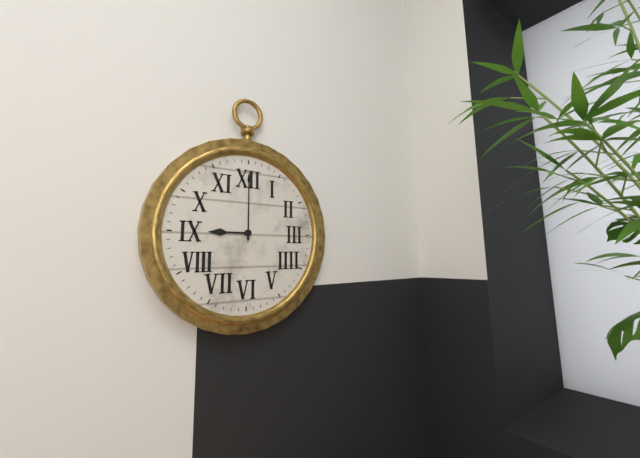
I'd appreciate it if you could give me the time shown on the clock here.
9:00
